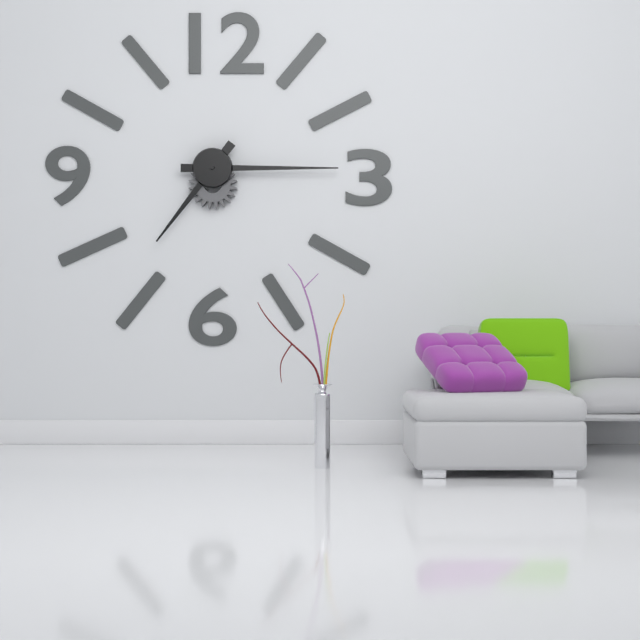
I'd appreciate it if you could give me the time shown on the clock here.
7:15
